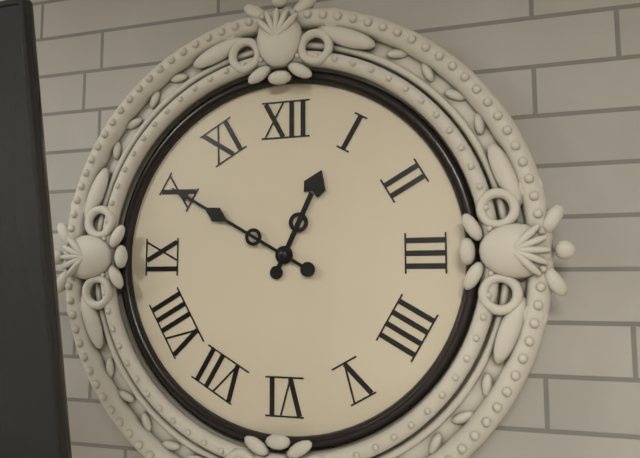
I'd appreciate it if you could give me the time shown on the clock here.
12:50
